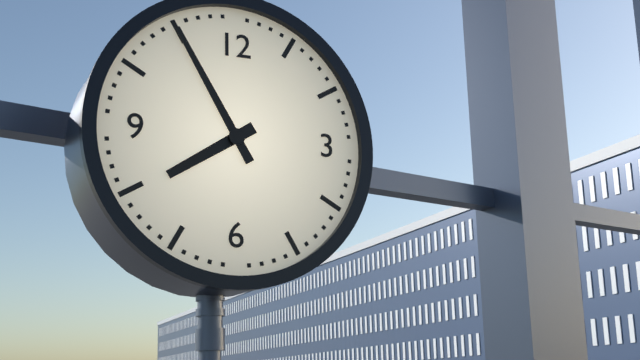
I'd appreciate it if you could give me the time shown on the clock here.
7:55
